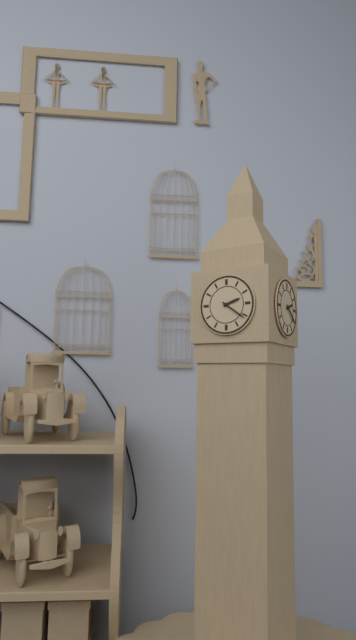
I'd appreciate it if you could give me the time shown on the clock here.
2:21
